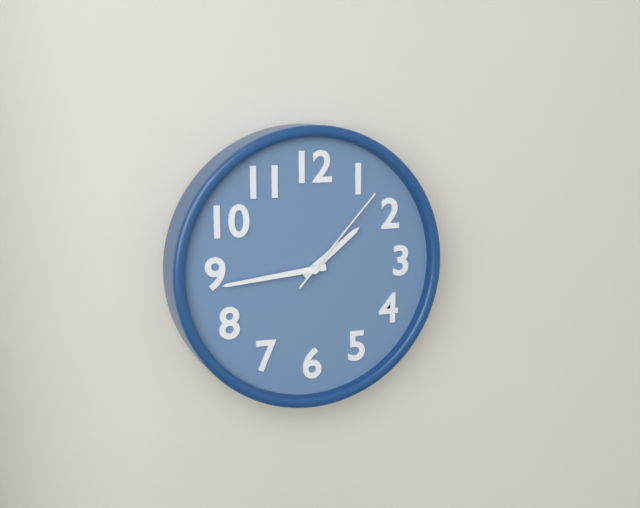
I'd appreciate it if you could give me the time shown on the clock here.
1:44:07
